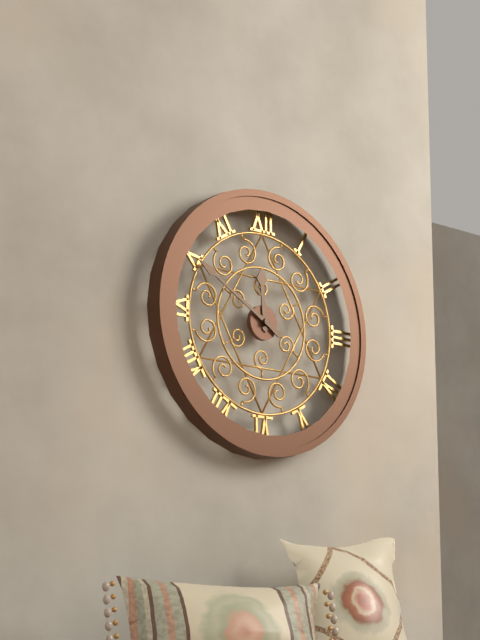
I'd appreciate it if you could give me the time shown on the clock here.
11:50
